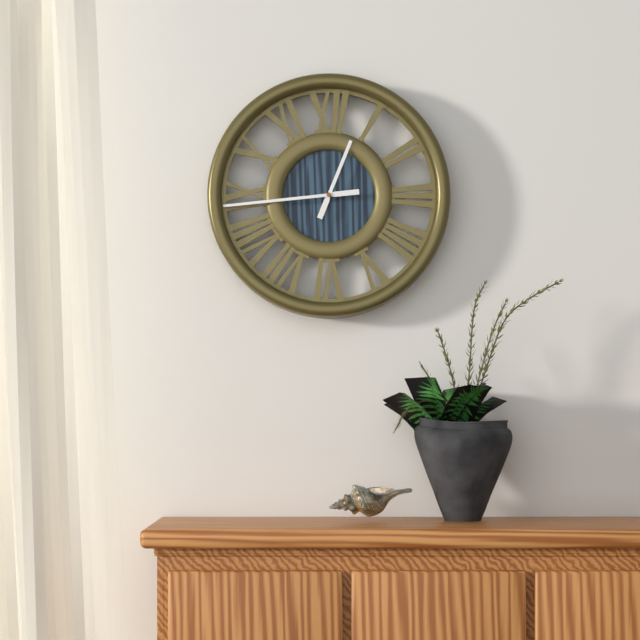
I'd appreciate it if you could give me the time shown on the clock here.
12:44
